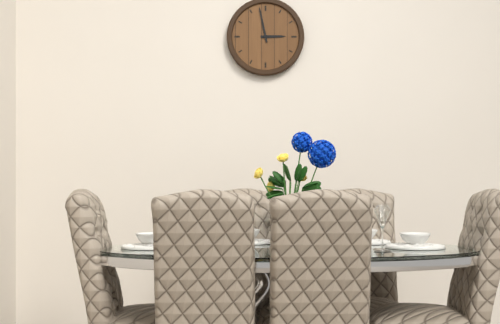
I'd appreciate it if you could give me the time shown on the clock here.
2:58
